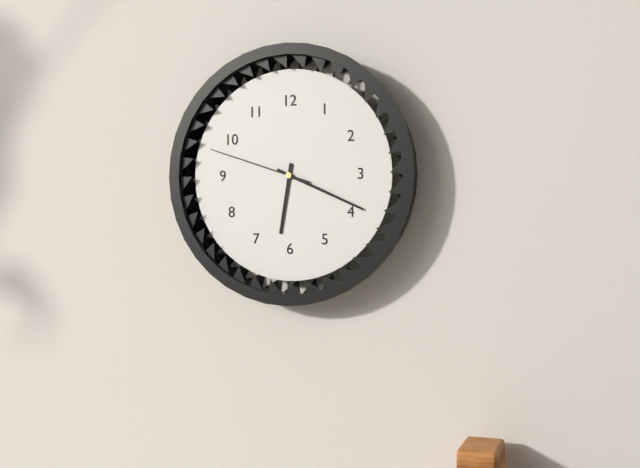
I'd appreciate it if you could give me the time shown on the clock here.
6:19:48
